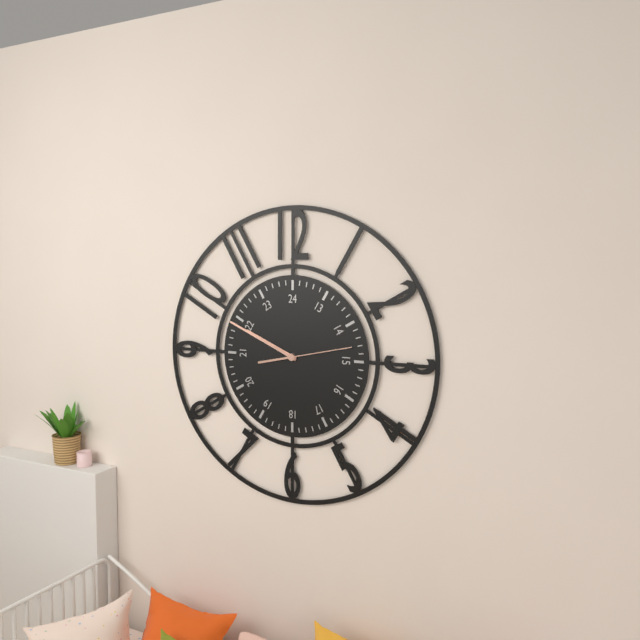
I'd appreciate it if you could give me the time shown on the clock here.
9:49:13
